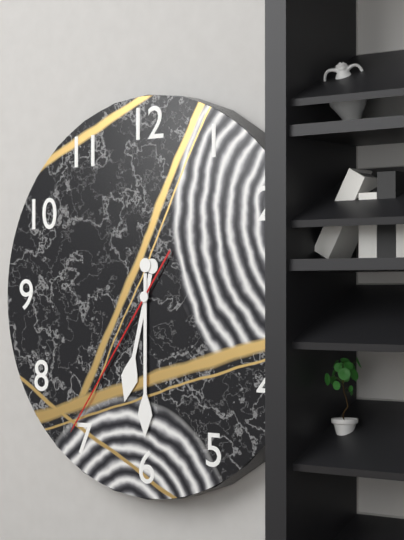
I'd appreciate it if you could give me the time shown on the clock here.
6:30:36
